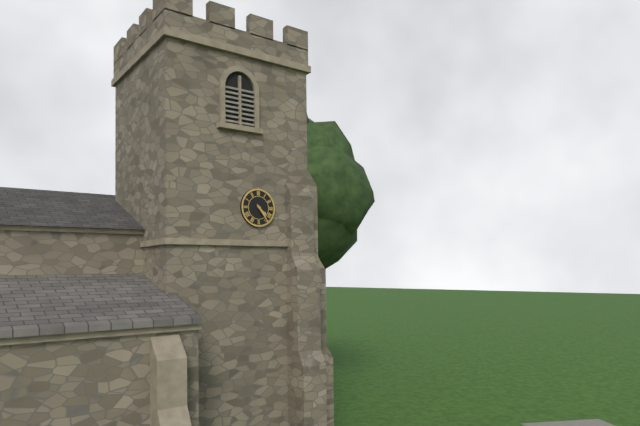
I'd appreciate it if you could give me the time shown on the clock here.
4:24
